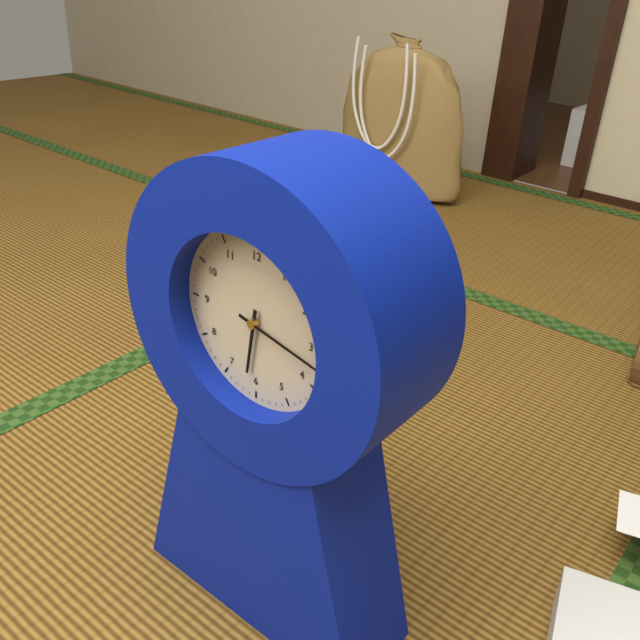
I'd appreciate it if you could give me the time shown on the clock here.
6:17
